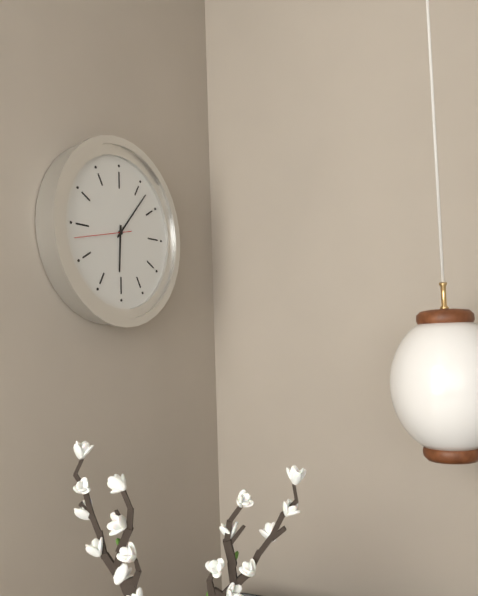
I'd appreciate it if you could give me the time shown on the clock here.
6:07:43
